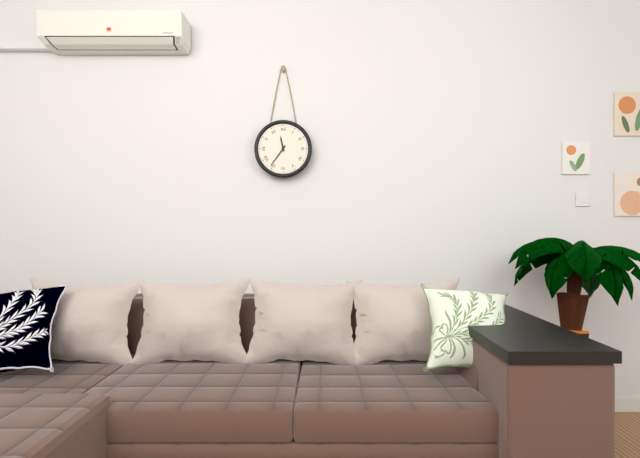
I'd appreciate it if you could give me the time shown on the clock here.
11:36
